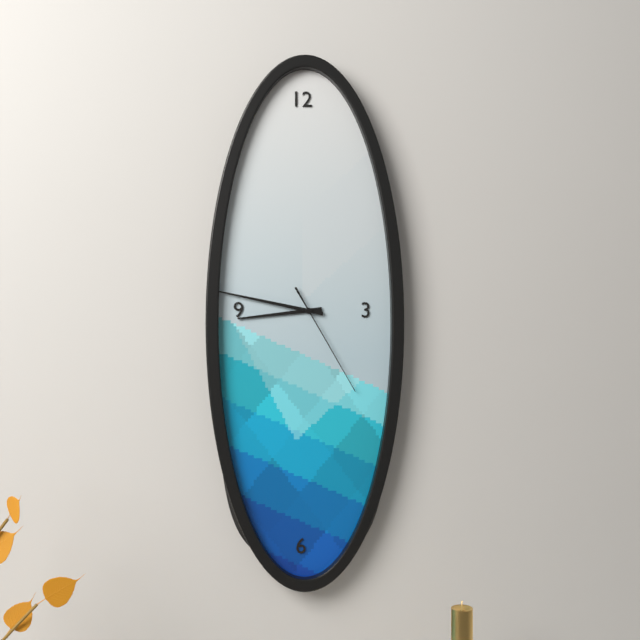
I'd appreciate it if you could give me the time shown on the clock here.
8:47:25
